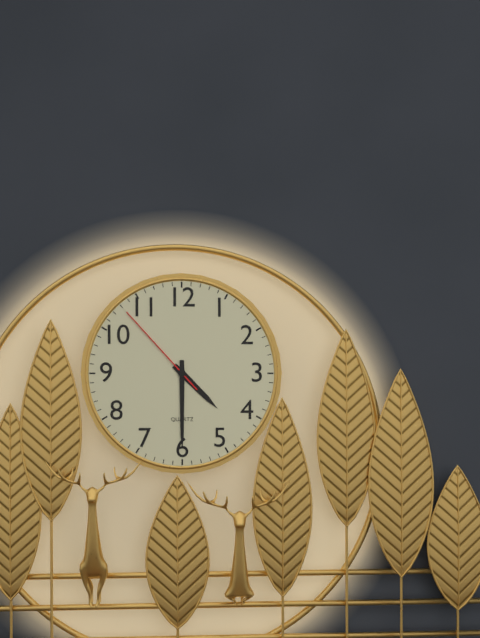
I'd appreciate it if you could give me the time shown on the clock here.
4:30:53
